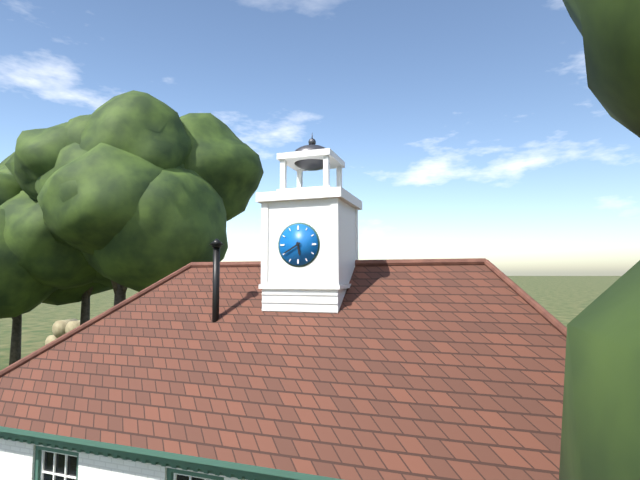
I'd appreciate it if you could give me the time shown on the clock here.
5:40
